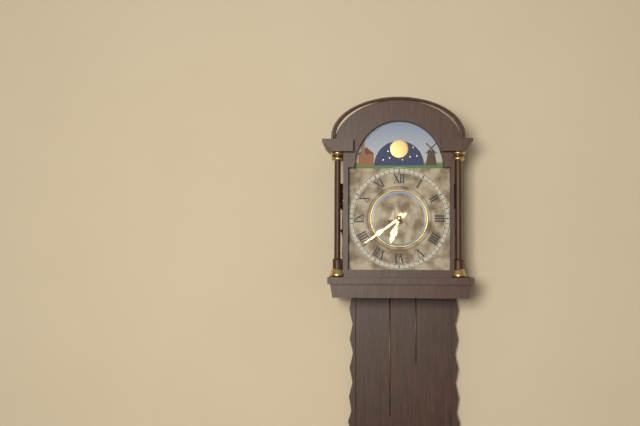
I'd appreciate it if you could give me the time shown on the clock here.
6:39
